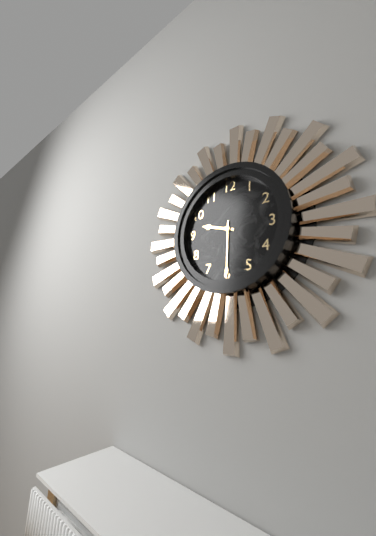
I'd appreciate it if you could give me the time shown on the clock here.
9:30
